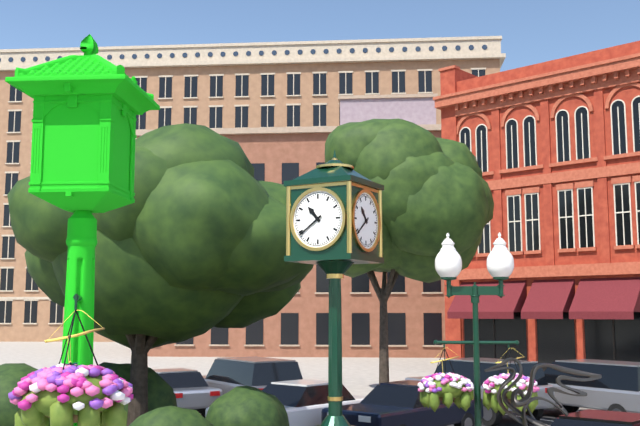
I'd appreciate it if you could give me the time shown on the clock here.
10:39
